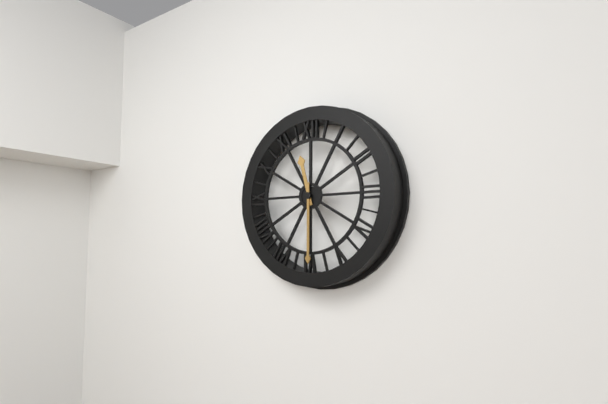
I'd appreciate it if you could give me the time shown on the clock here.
11:30
